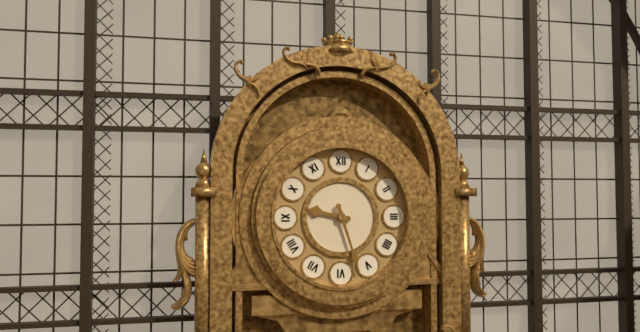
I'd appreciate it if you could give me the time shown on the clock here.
9:27
